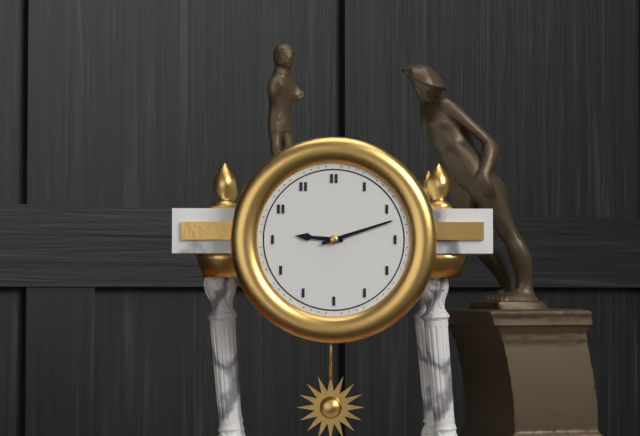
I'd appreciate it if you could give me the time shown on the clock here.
9:12
